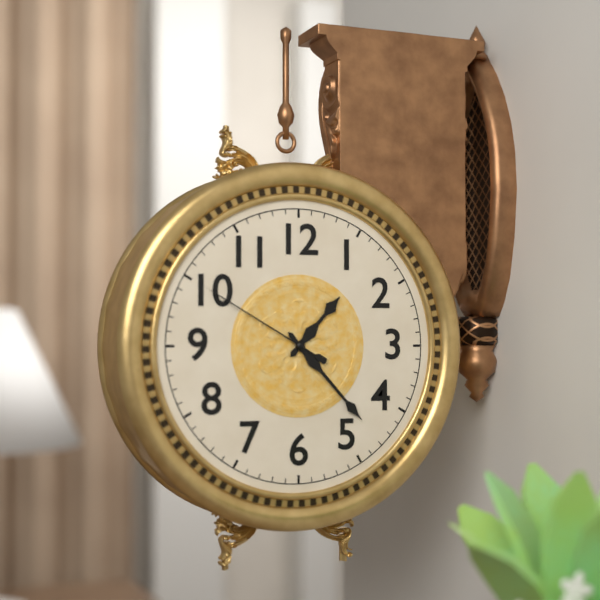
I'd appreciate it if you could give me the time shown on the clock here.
1:23:50
